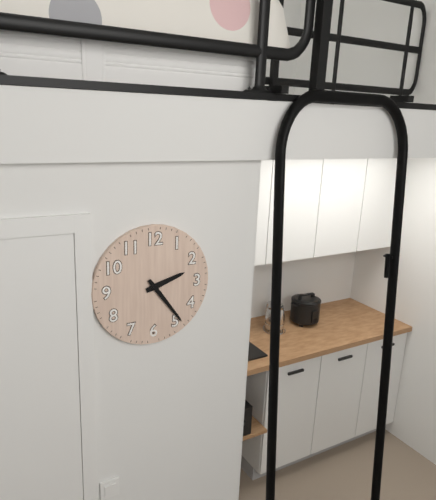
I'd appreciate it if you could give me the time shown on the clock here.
2:24
